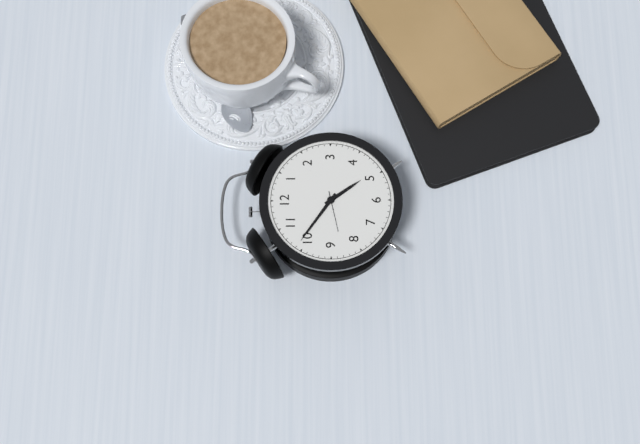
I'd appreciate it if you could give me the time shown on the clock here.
4:51
